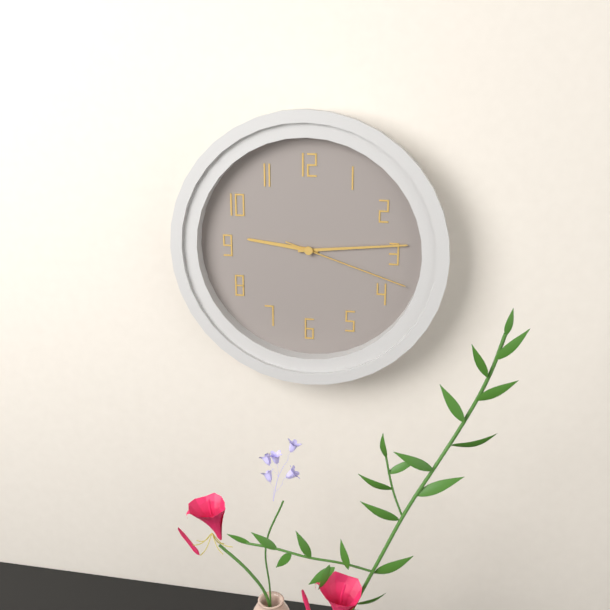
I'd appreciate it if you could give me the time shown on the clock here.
9:14:18
